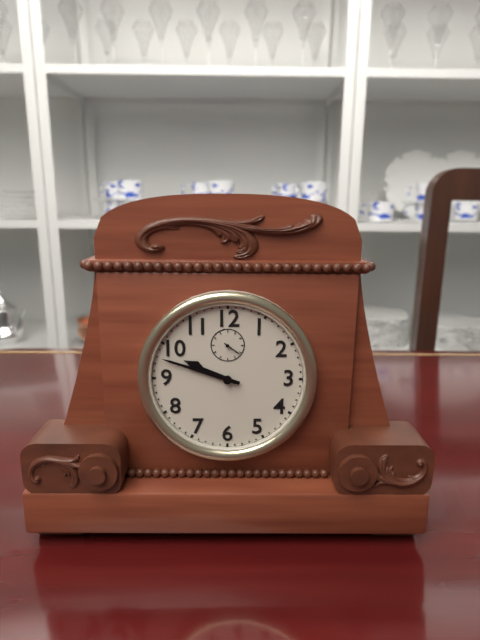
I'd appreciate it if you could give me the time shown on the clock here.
9:48
